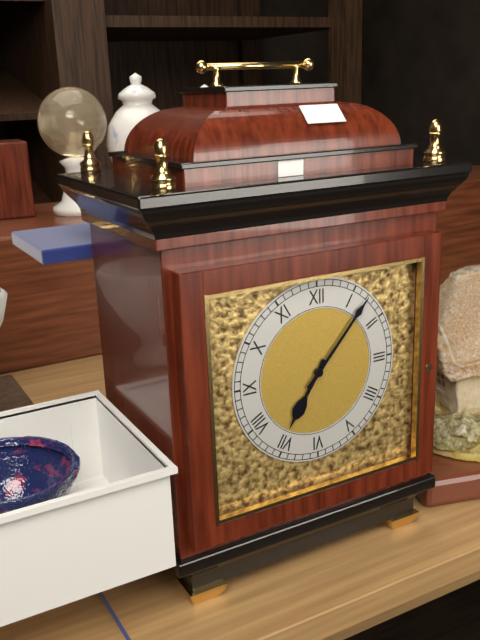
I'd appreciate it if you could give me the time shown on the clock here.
7:07
